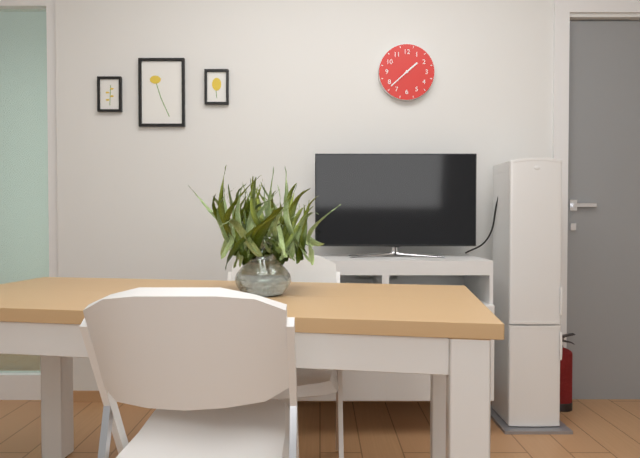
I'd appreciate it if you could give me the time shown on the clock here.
1:38
